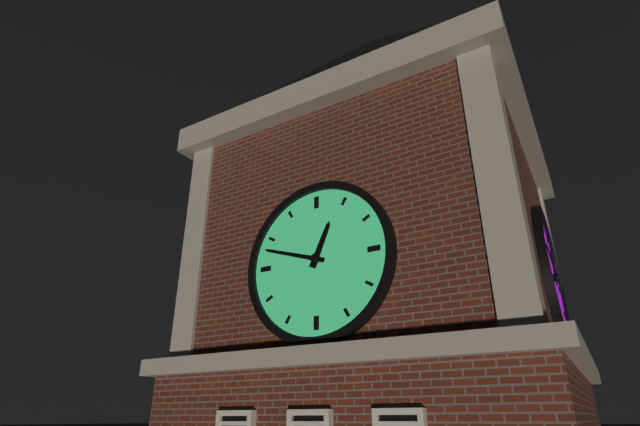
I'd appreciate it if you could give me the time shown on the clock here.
12:48
